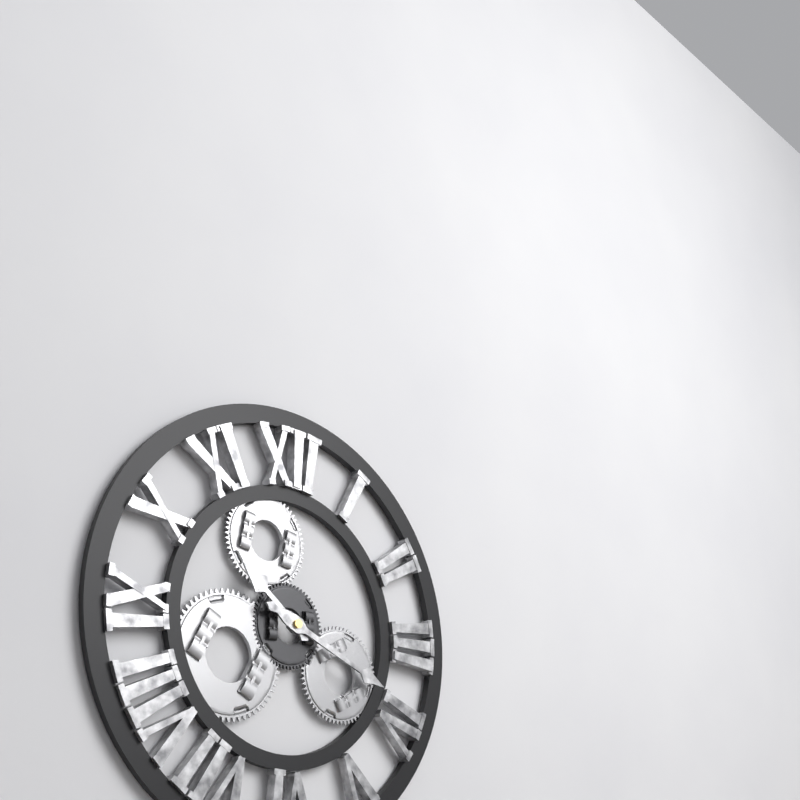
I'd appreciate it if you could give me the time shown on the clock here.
10:19
